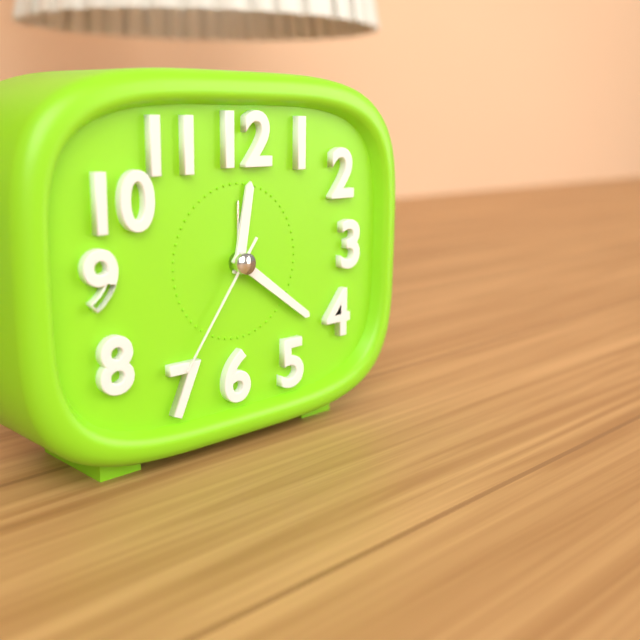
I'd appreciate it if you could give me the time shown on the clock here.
12:21:36
